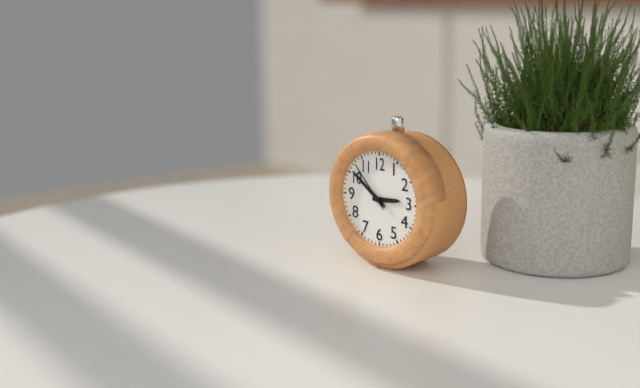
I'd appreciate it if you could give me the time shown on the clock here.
2:51:53
